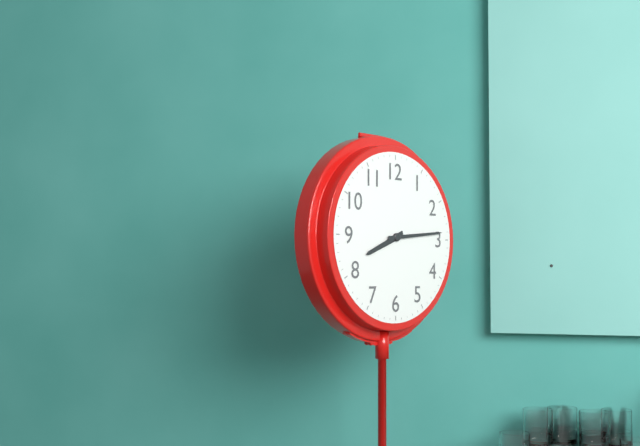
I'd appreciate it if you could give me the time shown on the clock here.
8:14
